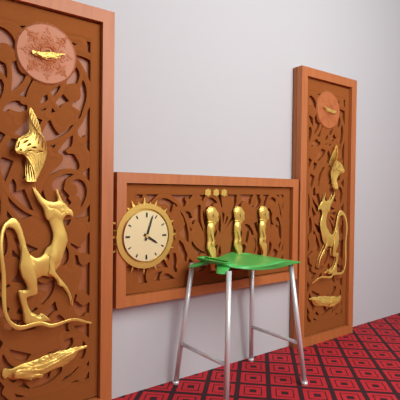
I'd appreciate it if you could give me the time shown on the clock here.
4:03
